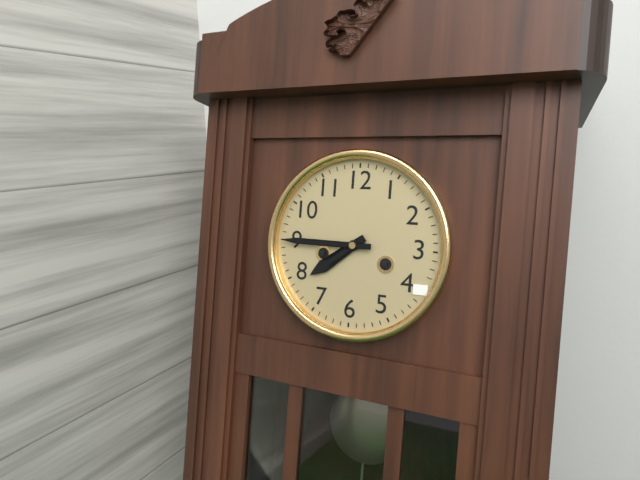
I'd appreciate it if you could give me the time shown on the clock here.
7:45
